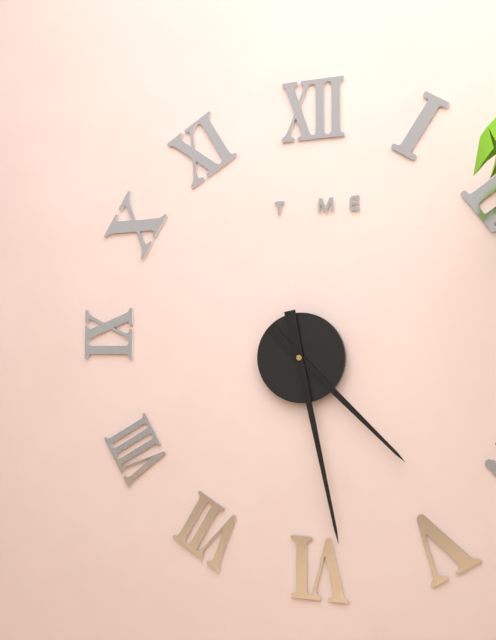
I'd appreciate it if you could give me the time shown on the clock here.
4:28
